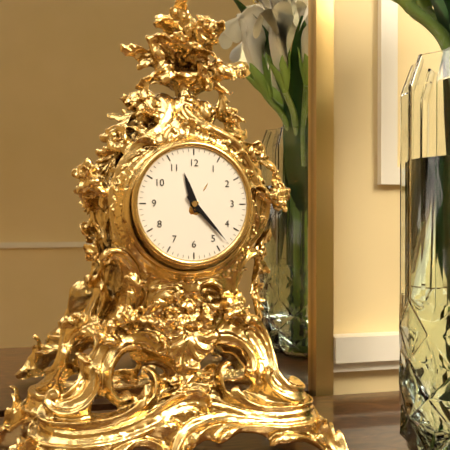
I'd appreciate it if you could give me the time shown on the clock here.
11:23
